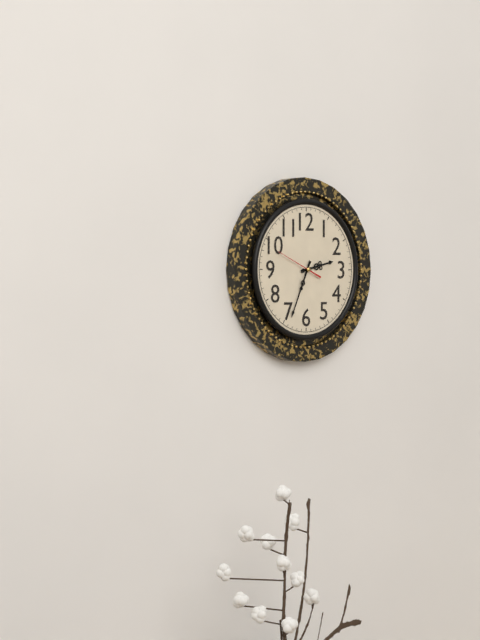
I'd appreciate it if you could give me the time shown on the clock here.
2:34
